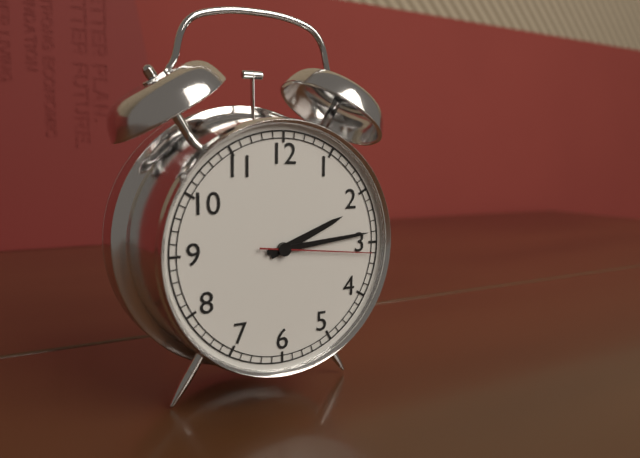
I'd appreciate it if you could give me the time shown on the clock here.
2:14:16
